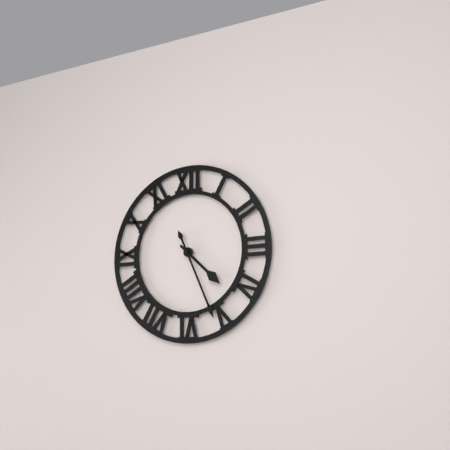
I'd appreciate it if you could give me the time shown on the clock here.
4:26
